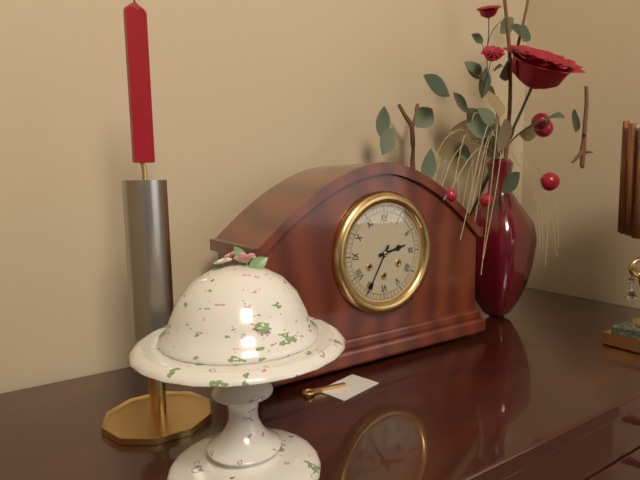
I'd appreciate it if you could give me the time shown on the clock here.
2:35
